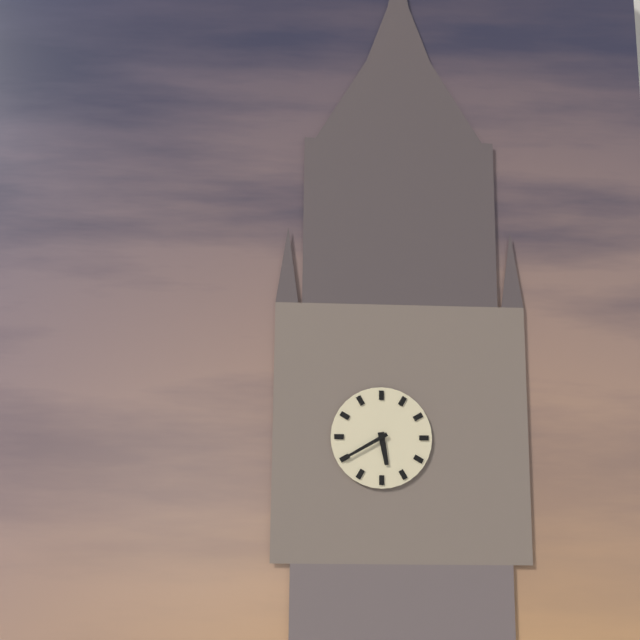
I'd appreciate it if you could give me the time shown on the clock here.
5:40
